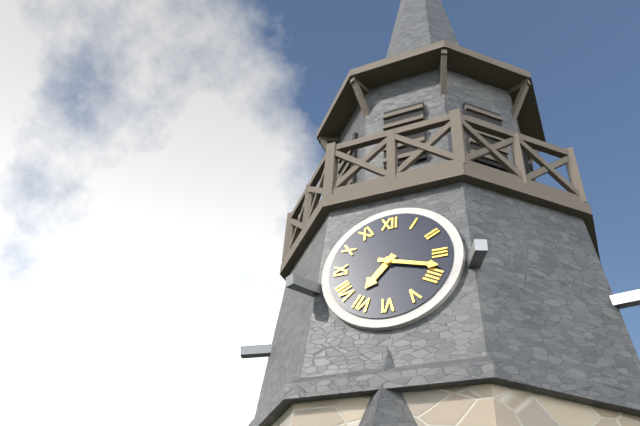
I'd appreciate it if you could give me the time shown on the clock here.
7:18
